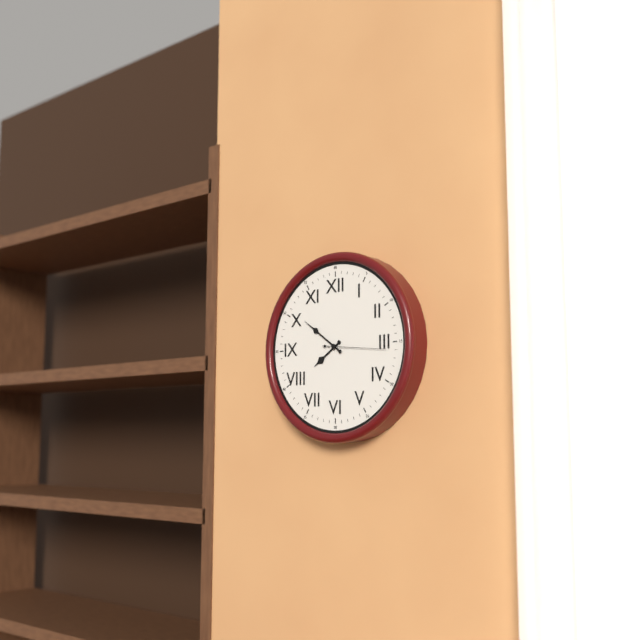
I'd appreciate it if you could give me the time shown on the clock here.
7:51:16
